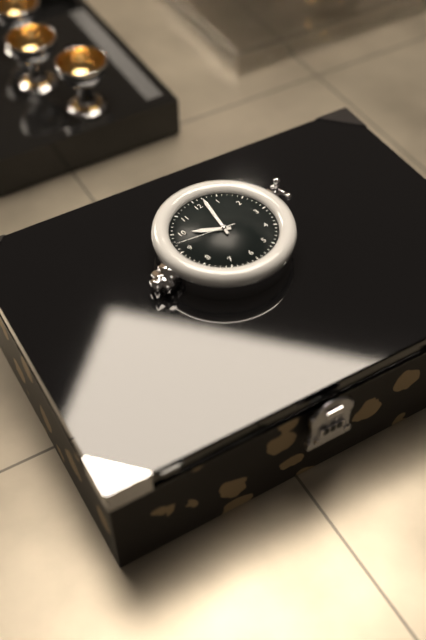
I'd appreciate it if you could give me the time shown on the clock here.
10:02:47
